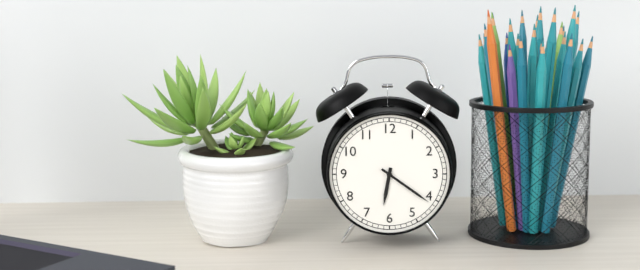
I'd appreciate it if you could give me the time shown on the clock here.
6:21
